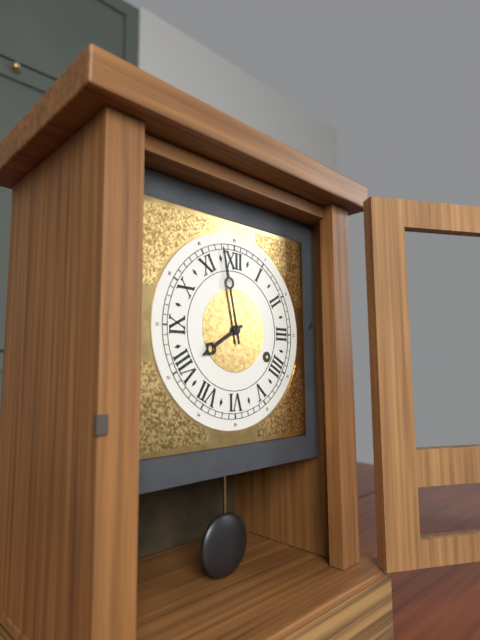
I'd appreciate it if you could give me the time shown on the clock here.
7:58
